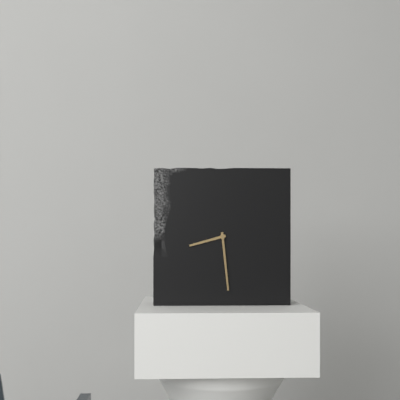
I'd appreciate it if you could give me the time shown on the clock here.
8:29
